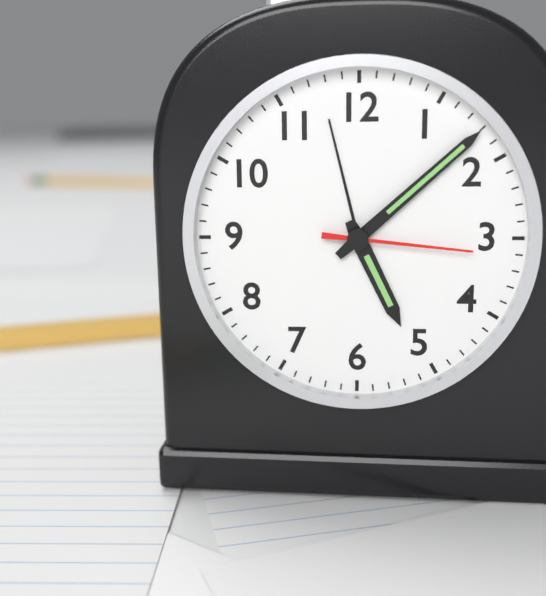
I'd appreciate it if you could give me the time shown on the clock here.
5:08:16
